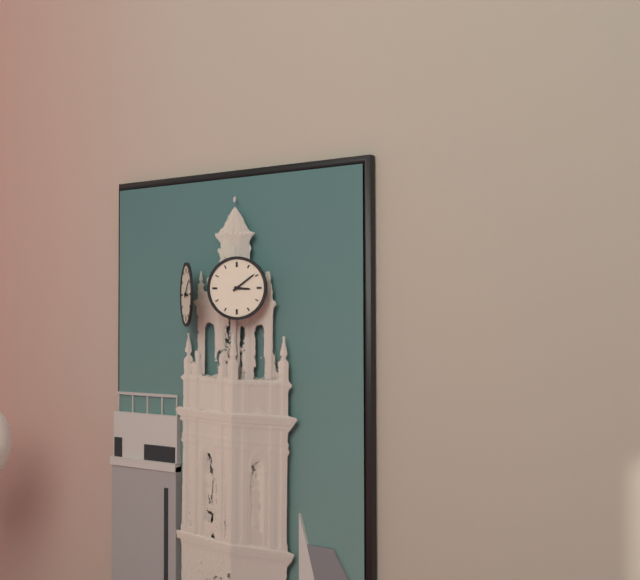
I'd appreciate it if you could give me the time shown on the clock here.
3:09
